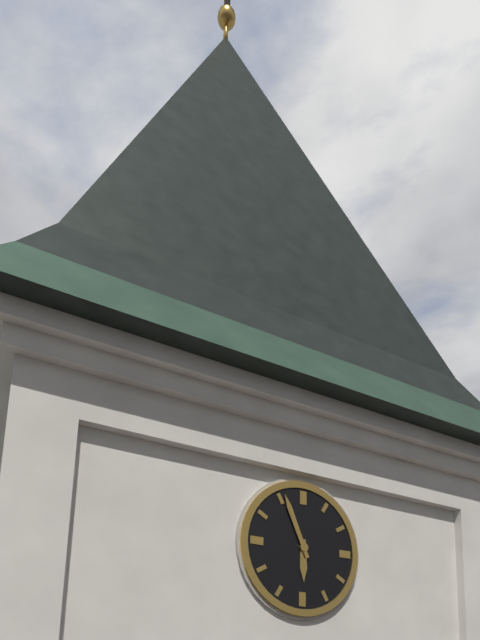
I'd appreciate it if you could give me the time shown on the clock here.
5:56
